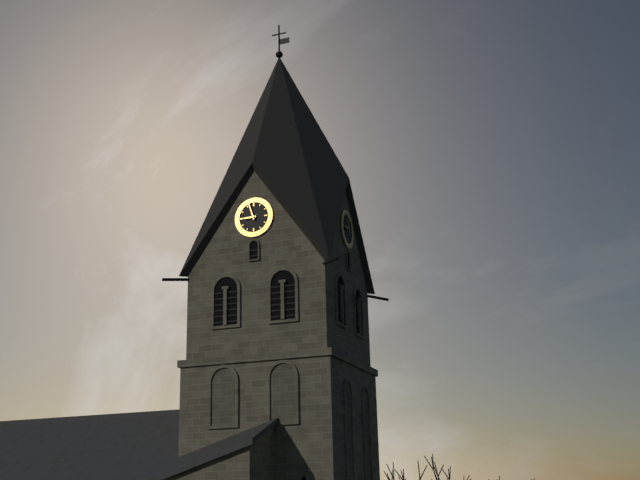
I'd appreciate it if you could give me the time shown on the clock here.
8:57
